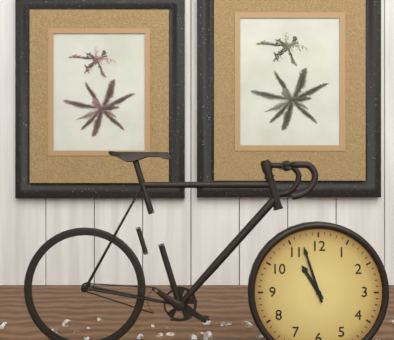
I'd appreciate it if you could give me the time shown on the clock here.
10:57
